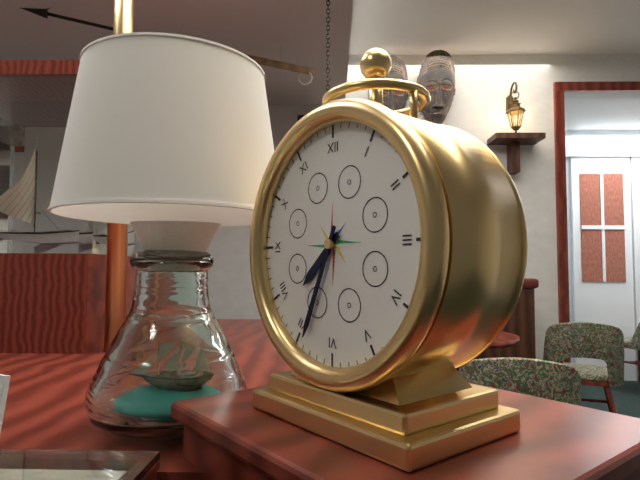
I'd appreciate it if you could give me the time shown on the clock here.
7:34
